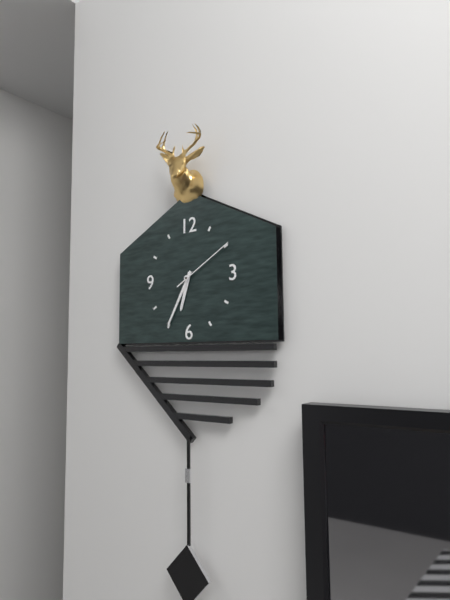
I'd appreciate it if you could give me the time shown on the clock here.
6:35:10
